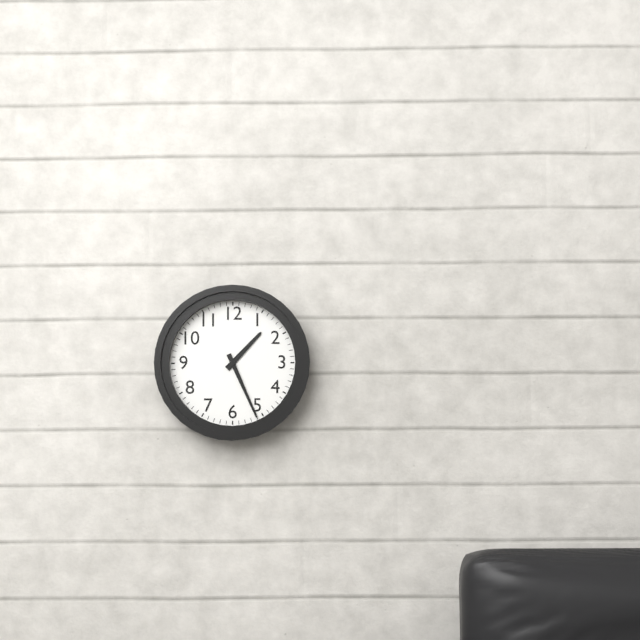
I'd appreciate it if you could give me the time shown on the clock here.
1:26
